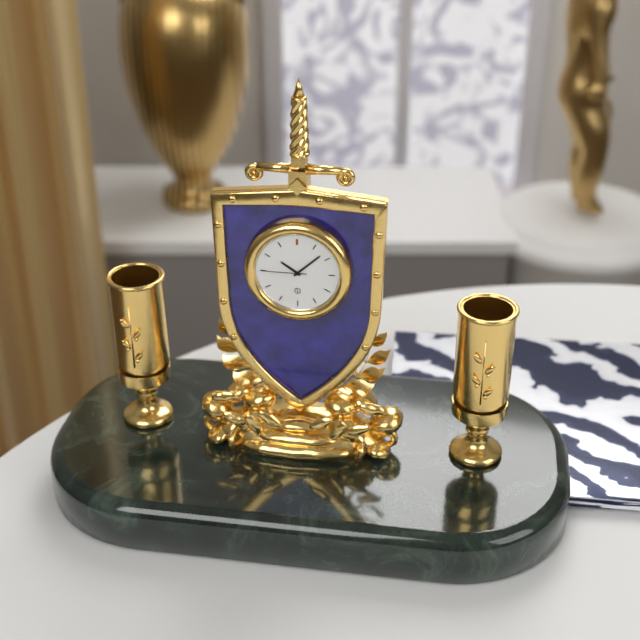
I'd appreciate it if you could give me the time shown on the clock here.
10:08
